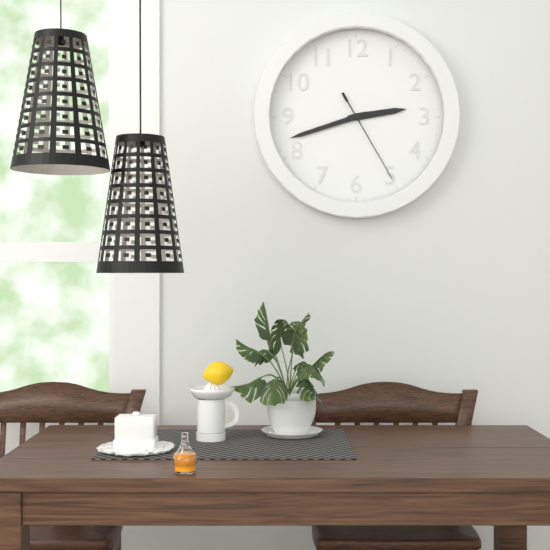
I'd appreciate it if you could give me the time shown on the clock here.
2:42:25
